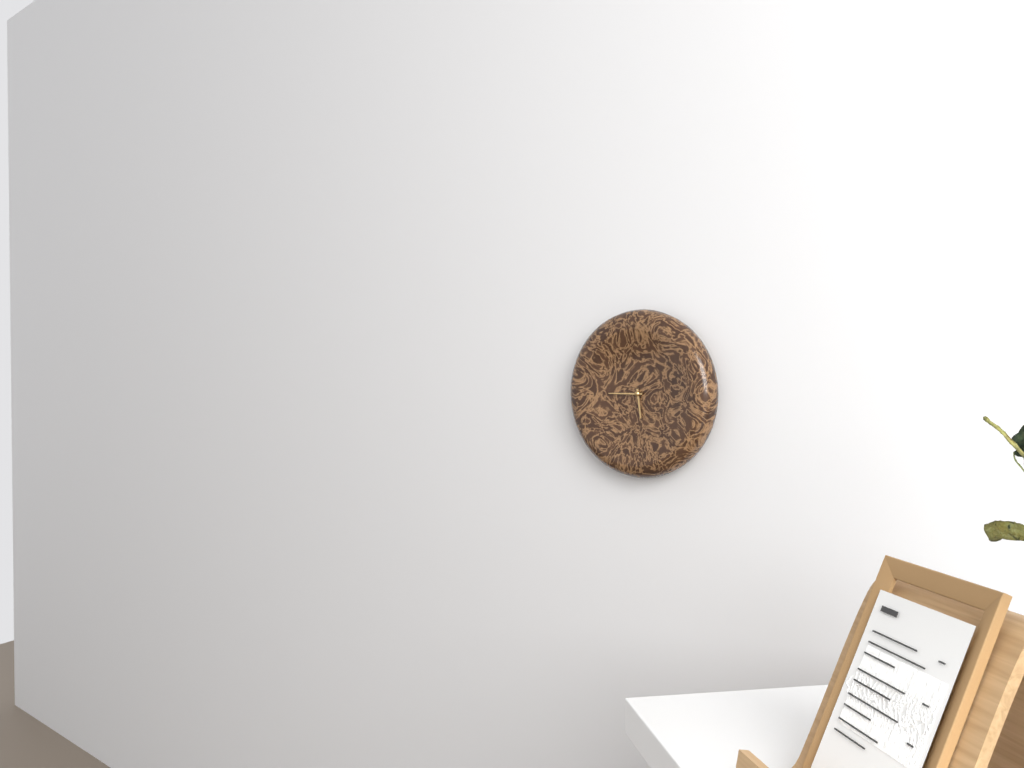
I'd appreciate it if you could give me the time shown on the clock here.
5:45
